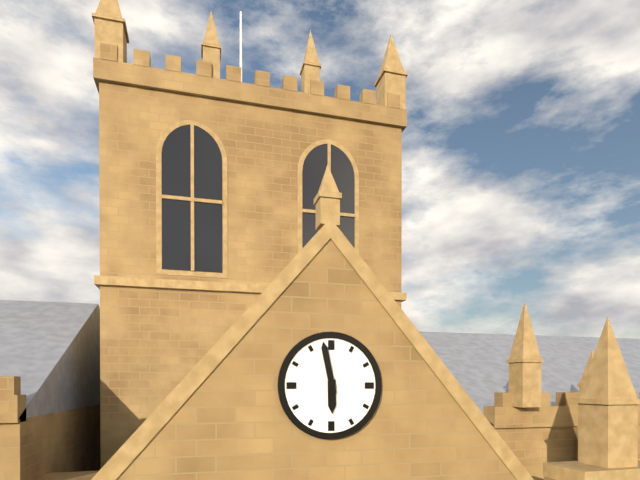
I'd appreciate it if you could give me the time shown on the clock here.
5:58
